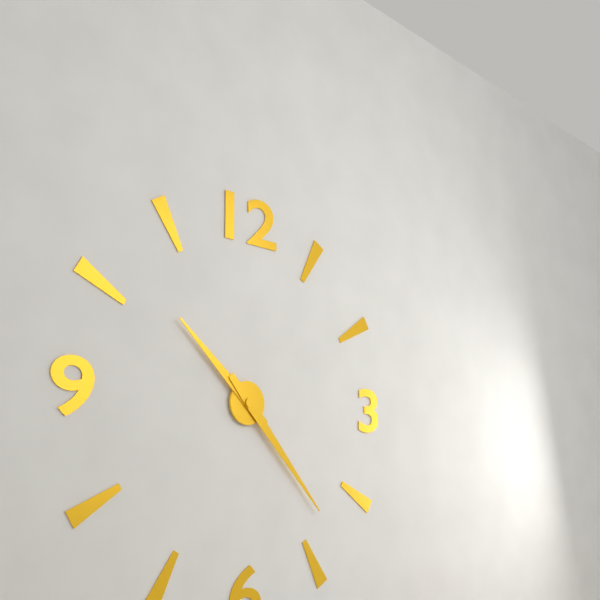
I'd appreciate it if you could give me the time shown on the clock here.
10:23
